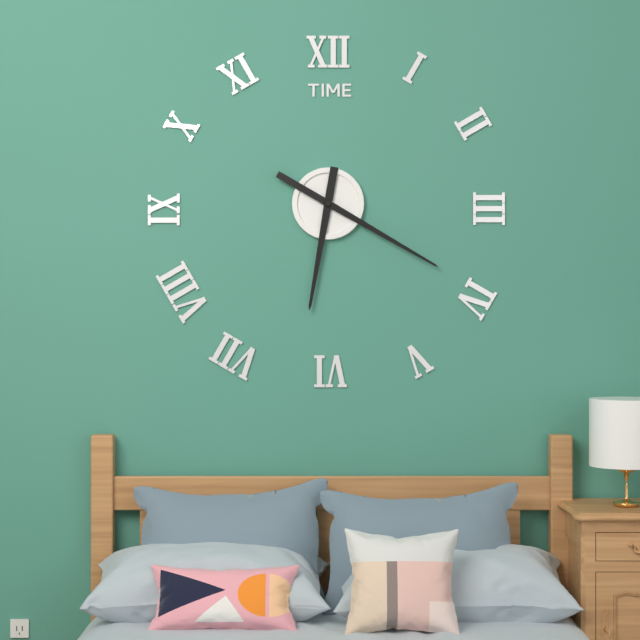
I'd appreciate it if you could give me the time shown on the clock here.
6:20
